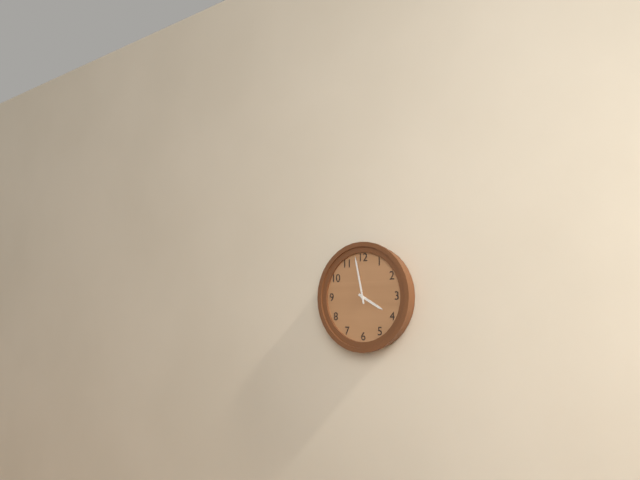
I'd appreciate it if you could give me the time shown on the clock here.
3:58
